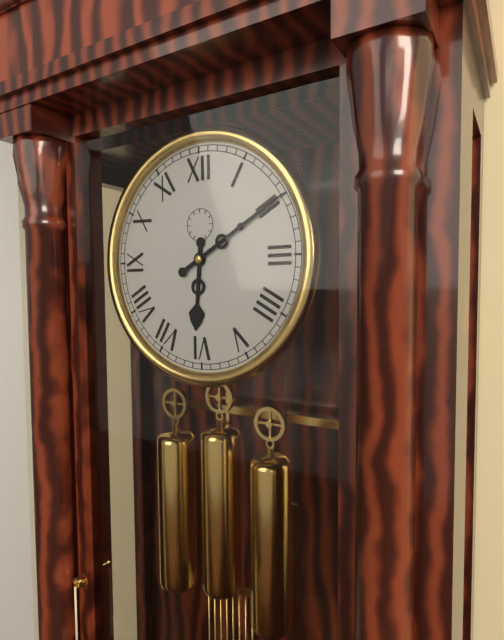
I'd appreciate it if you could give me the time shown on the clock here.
6:10
